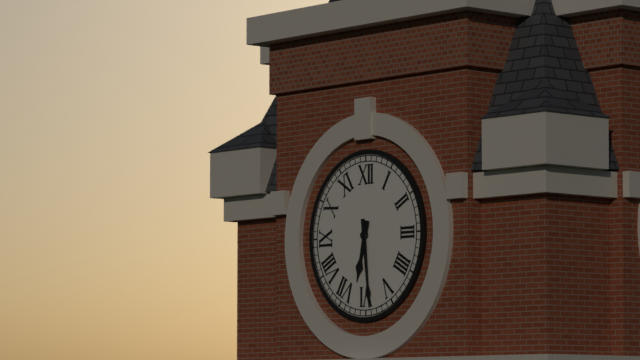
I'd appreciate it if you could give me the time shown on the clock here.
6:29
